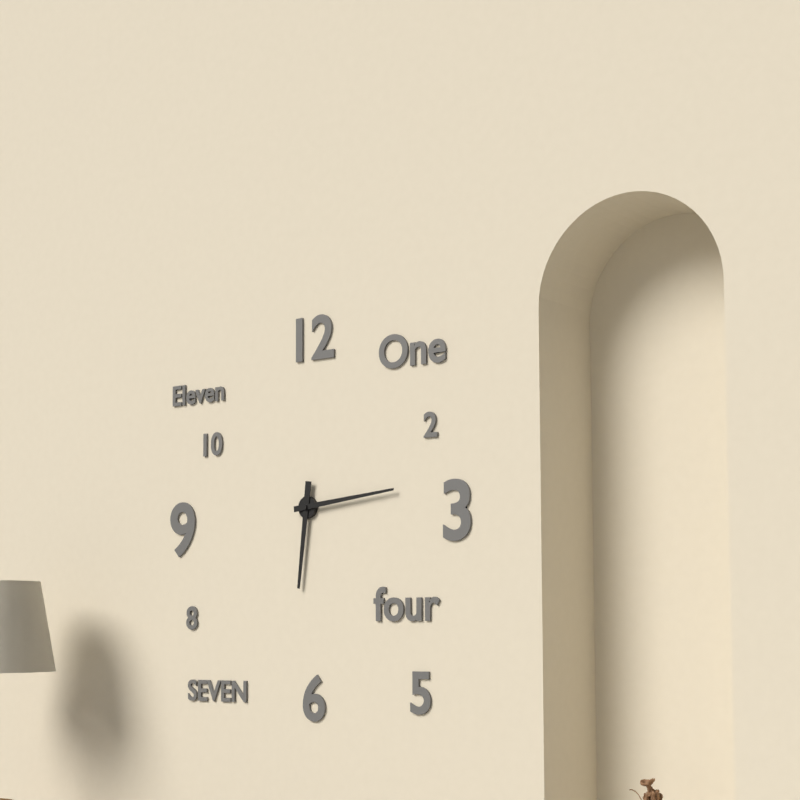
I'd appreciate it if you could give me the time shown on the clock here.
6:14
